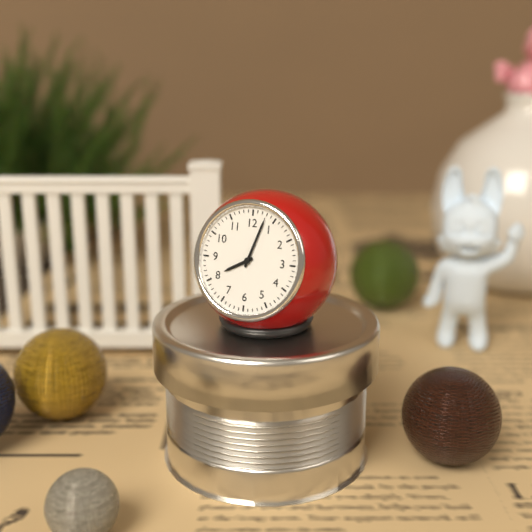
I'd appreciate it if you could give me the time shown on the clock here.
8:03
